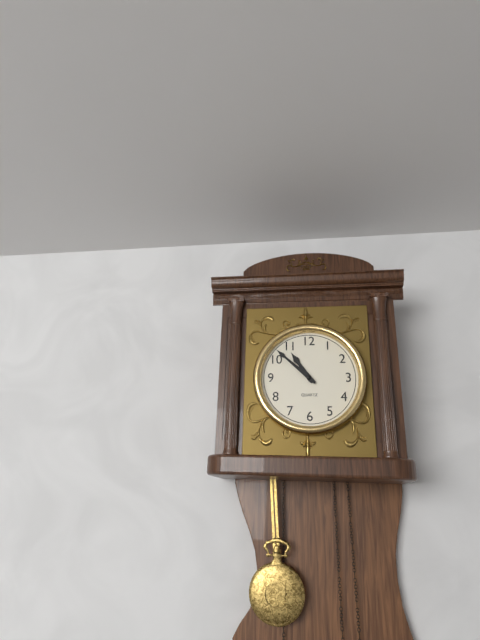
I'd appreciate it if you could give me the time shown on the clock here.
10:52
